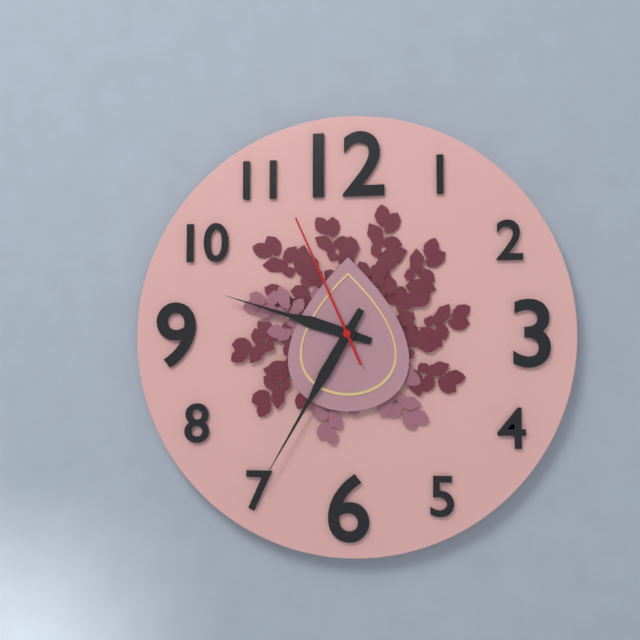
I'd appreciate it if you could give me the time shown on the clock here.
9:35:56
